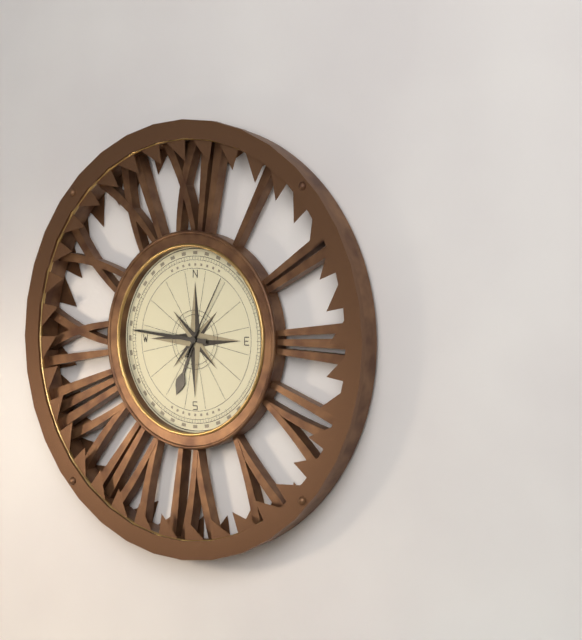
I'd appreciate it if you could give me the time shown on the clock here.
6:46:05
